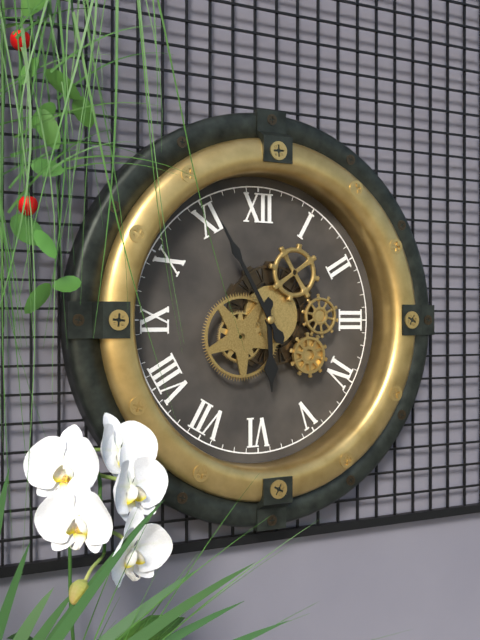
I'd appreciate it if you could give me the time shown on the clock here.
5:55
